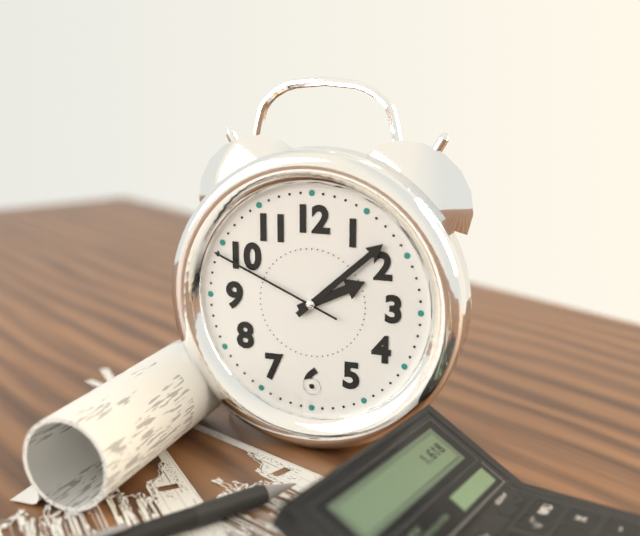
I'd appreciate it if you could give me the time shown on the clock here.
2:08:49
